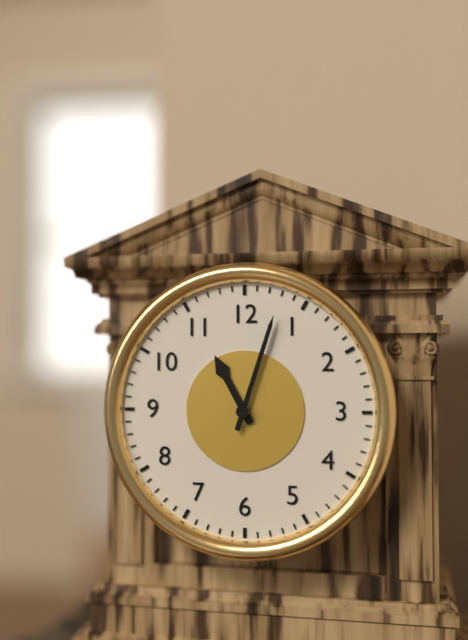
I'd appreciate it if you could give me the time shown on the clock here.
11:03
